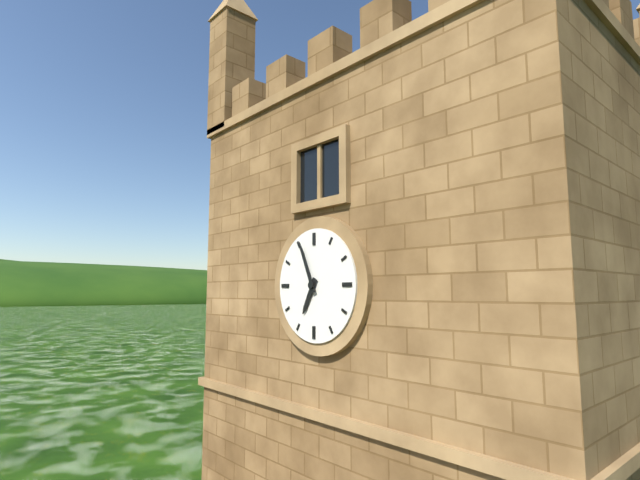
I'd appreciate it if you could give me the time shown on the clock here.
6:56
